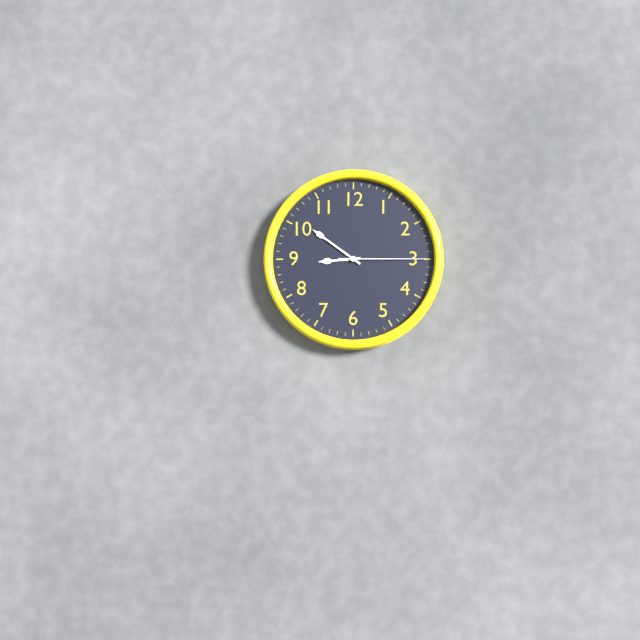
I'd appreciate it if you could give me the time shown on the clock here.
8:51:15
